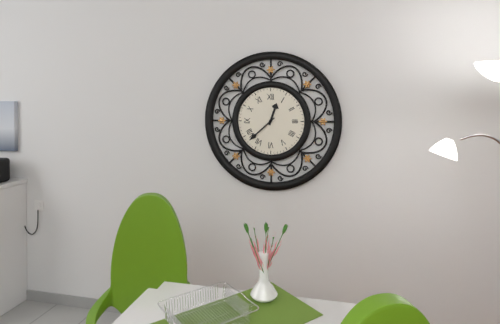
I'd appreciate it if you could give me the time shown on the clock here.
12:38
